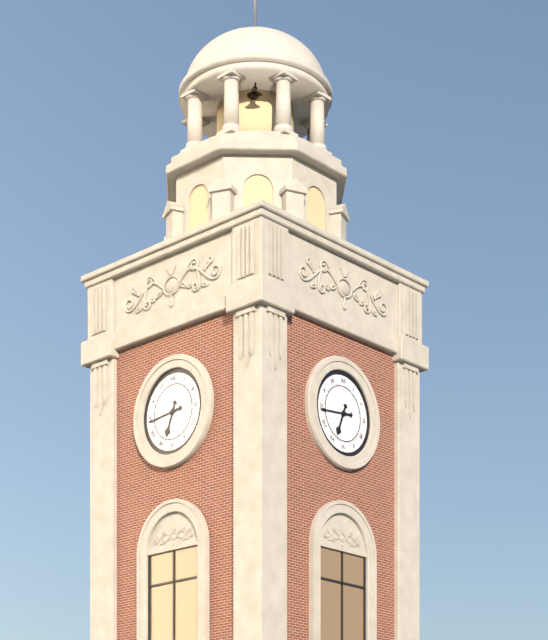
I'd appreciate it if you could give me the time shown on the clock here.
6:44
